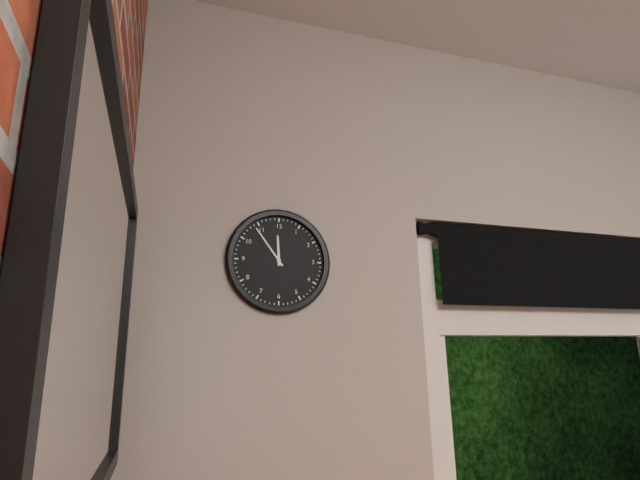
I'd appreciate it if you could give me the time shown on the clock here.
11:54
